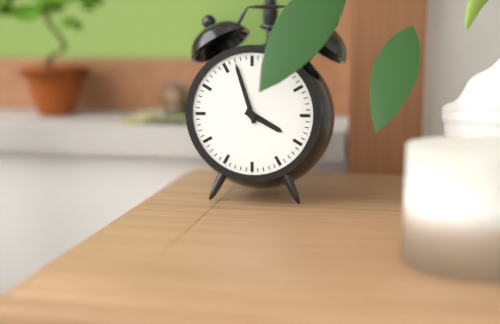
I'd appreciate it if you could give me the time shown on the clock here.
3:57
